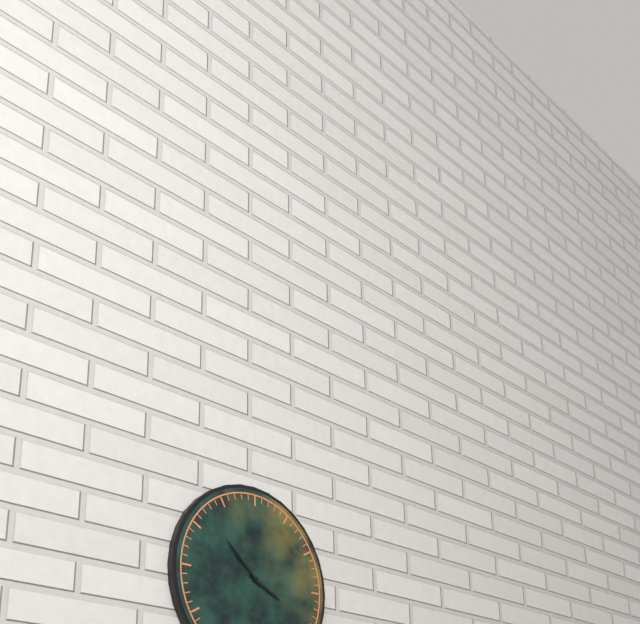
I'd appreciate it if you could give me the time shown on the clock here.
3:52
